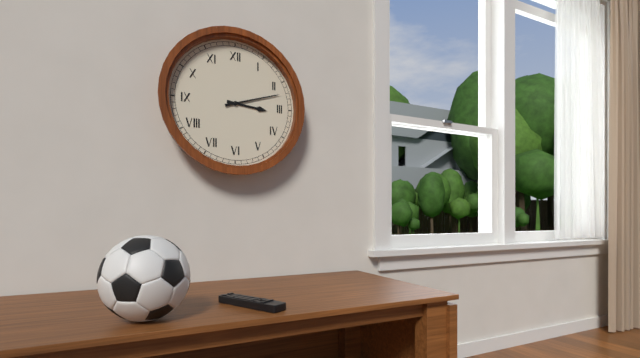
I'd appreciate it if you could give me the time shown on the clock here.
3:12
